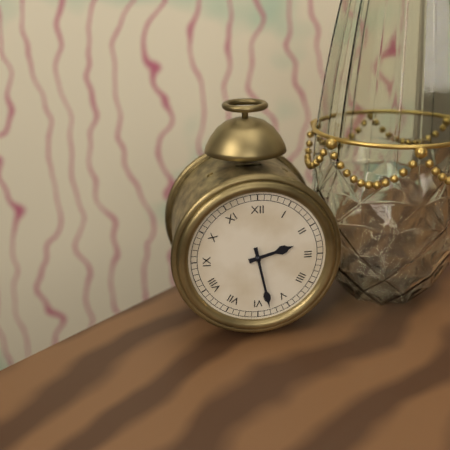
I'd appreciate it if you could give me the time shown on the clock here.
2:28
